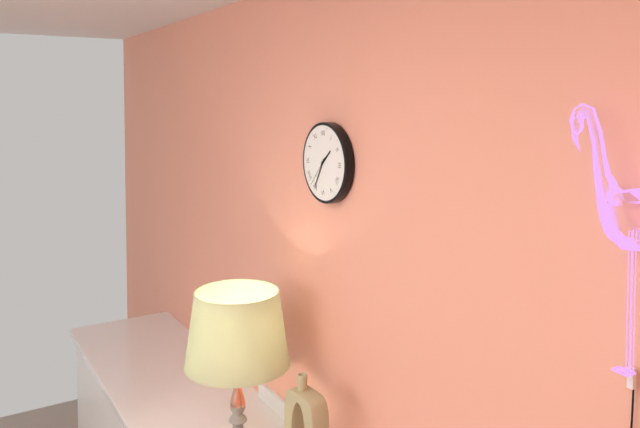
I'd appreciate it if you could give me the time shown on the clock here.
1:35
